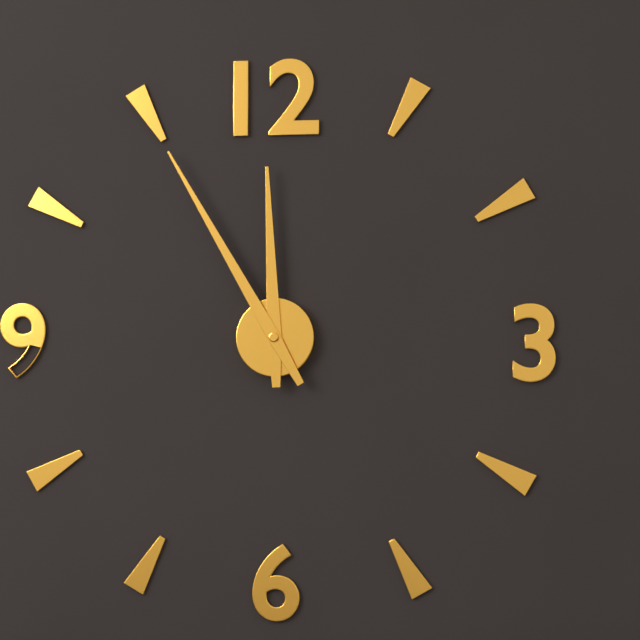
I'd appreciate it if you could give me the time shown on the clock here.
11:55
